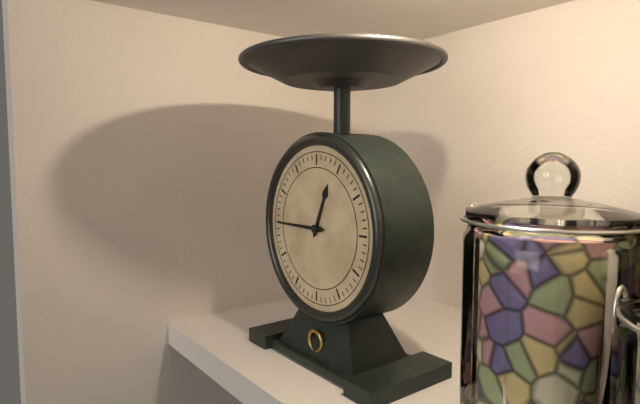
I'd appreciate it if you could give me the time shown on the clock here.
12:45
